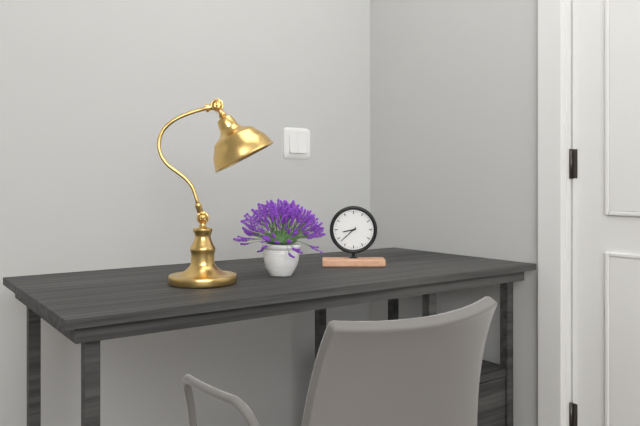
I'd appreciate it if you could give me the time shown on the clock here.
8:38
